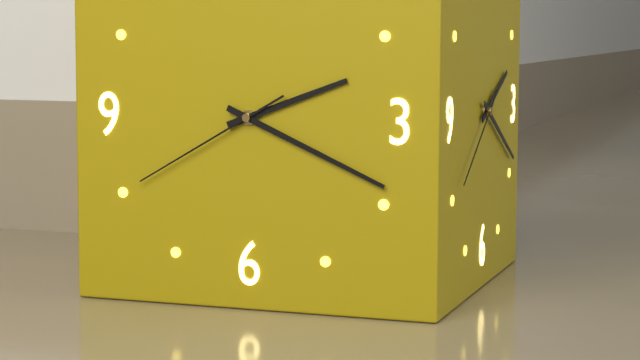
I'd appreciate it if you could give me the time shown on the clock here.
2:19:40
